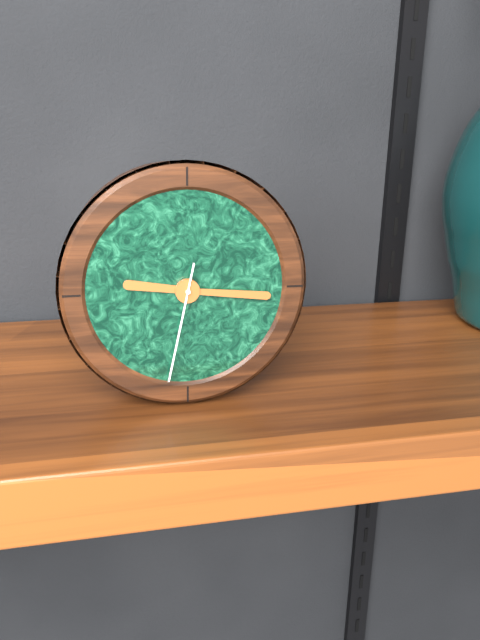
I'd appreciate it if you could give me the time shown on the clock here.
9:16:32
